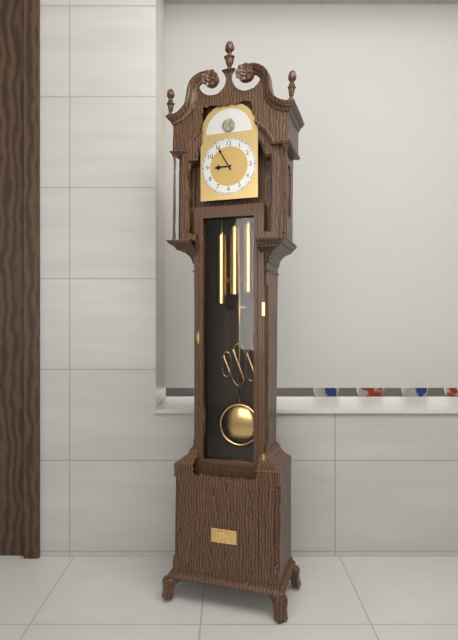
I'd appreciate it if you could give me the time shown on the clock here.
8:55
